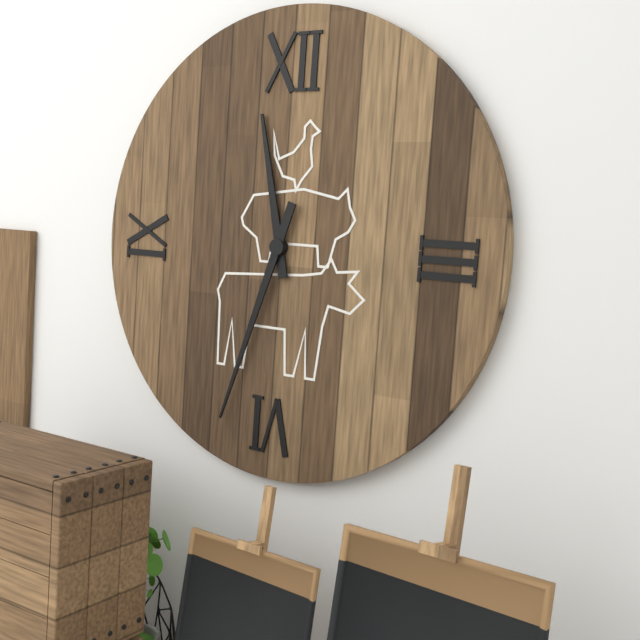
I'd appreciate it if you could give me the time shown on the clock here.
11:33
